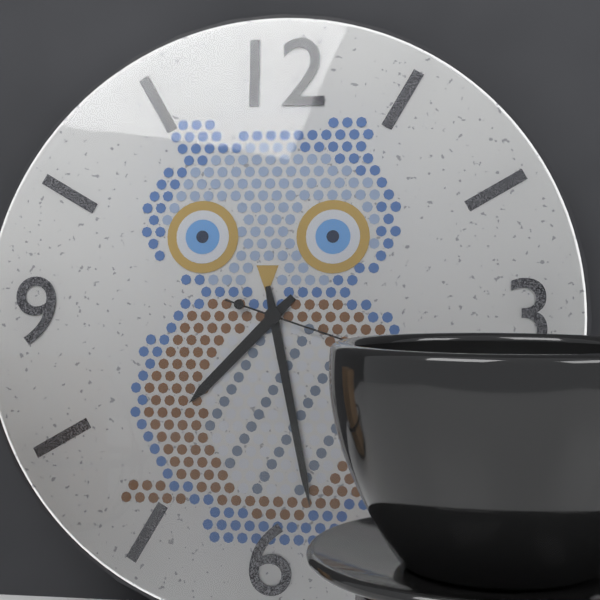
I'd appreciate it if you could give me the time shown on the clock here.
7:28
